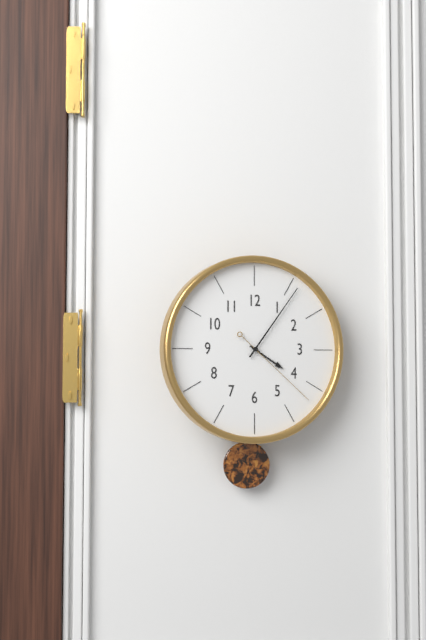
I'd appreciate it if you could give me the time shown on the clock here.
4:06:22
